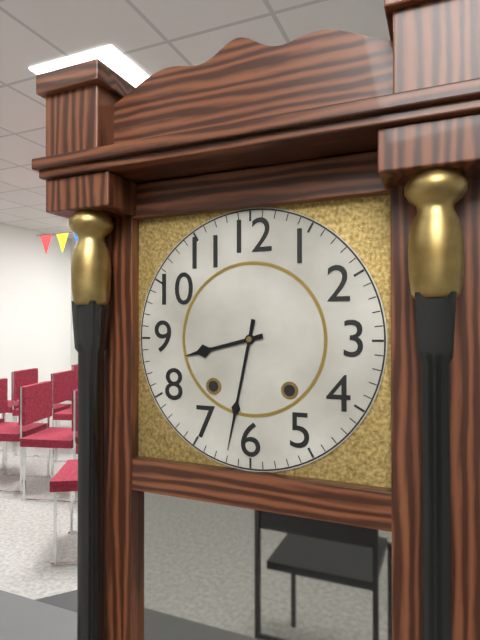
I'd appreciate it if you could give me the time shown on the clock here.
8:32
